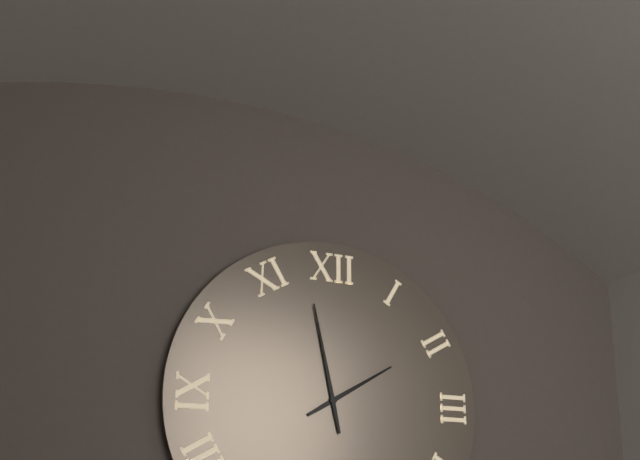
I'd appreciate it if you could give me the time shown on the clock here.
1:58
